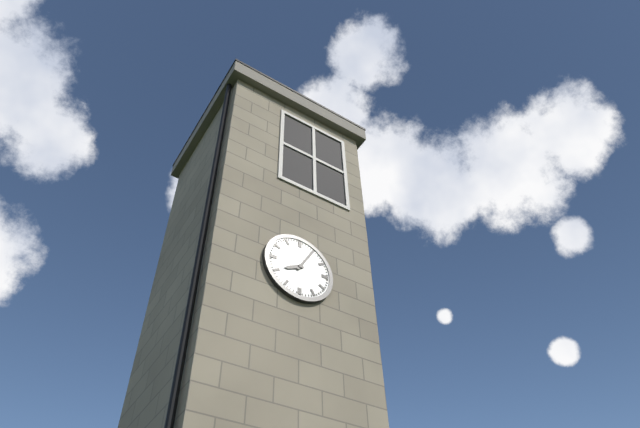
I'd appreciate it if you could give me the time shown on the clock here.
8:05
